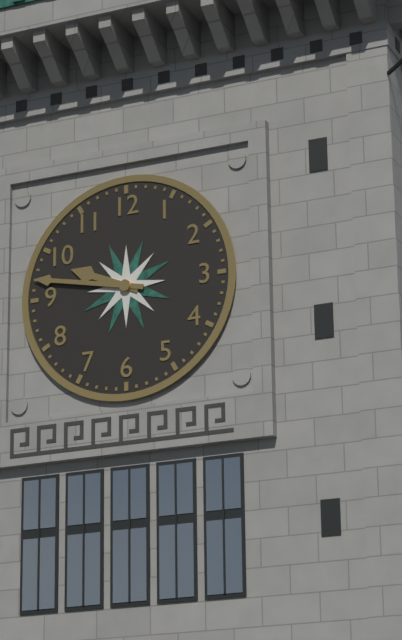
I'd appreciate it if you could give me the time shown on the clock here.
9:47
